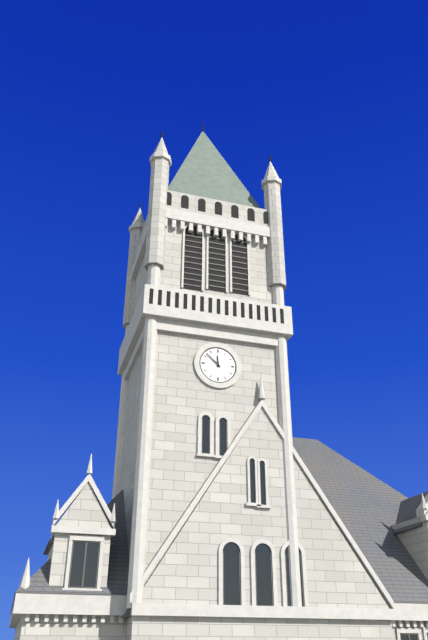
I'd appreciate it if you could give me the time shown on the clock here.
11:52
